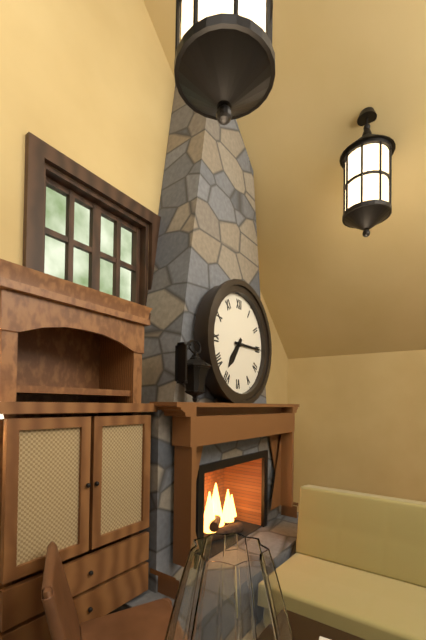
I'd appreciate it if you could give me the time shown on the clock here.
7:15
